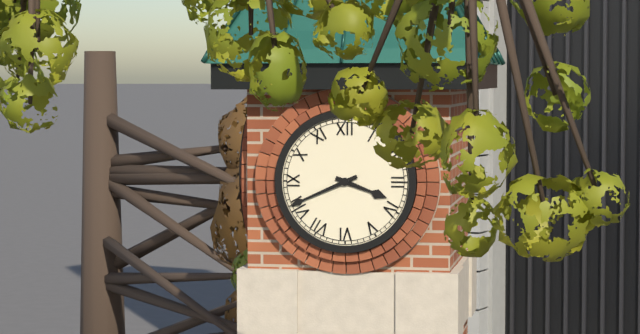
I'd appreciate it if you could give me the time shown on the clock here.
3:41
